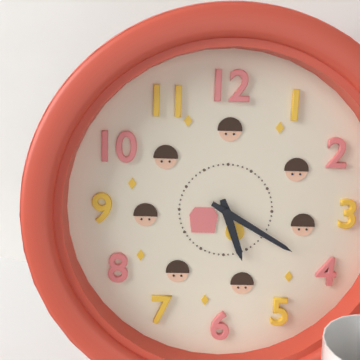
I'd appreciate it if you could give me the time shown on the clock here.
5:20
